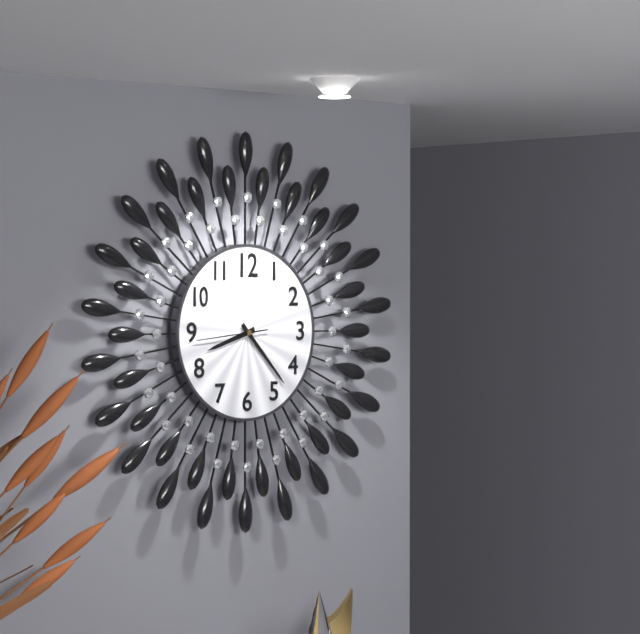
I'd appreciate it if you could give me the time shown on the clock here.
8:23:44
